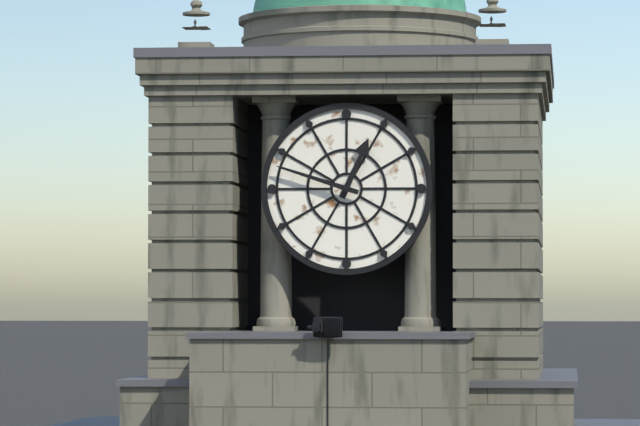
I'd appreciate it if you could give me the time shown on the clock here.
12:48
